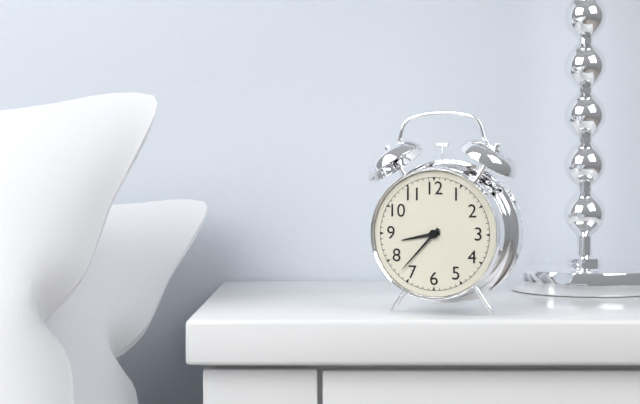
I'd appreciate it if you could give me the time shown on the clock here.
8:37
